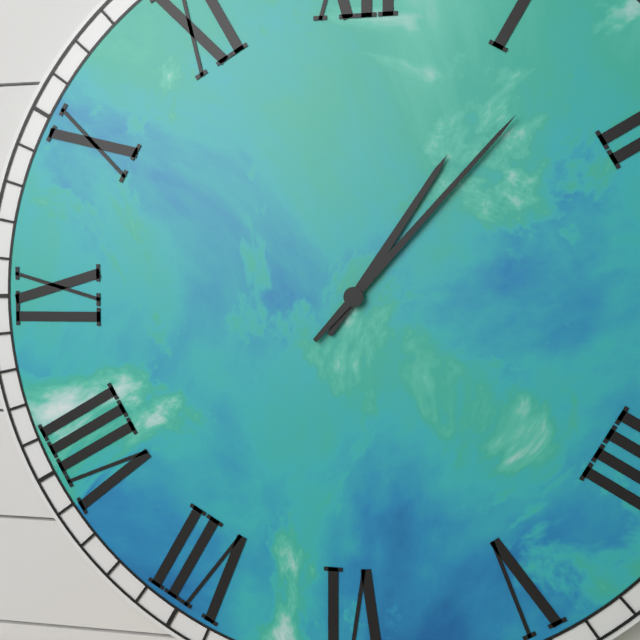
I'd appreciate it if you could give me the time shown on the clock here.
1:07
